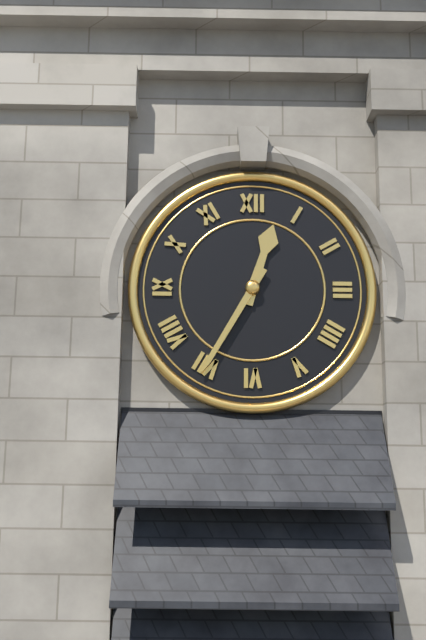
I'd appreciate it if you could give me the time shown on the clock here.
12:35
